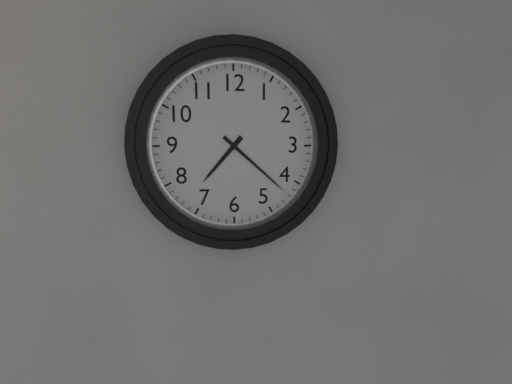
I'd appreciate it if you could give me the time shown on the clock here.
7:22
